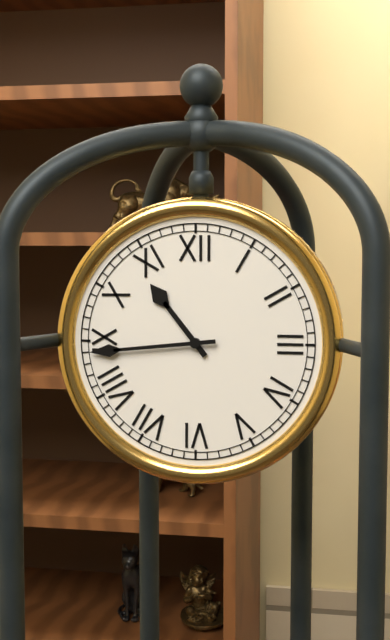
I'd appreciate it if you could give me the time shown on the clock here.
10:44
